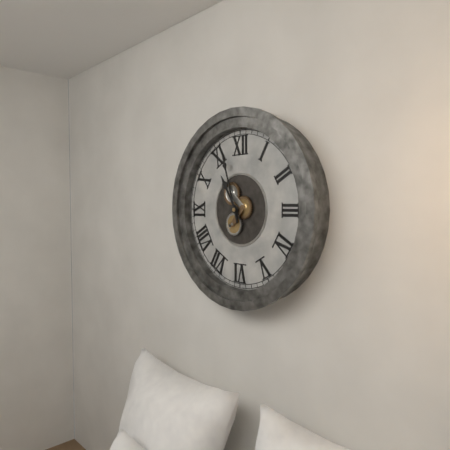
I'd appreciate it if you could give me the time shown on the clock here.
10:57
